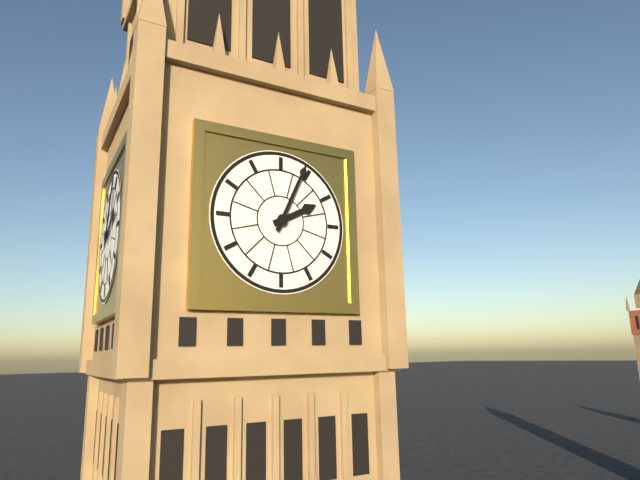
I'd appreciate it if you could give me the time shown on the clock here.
2:04
